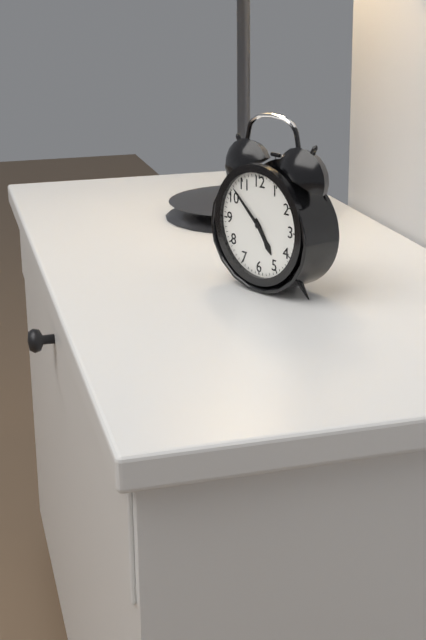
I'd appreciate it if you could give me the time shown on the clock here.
4:52
